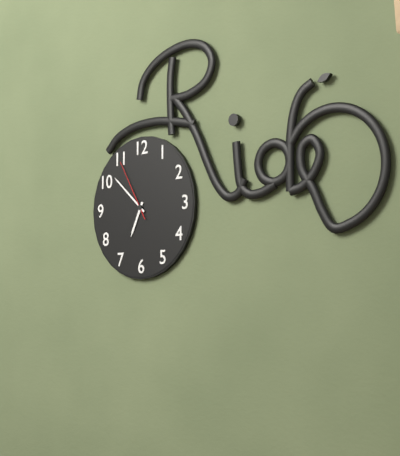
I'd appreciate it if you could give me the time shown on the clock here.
6:52:55
